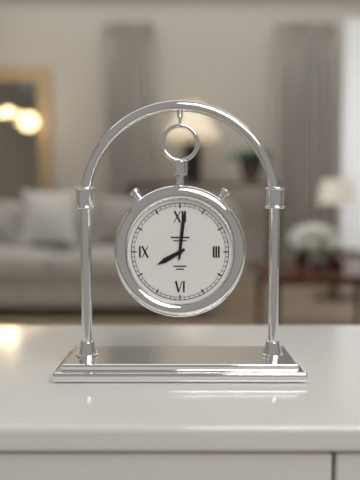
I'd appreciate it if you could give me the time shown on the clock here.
8:01
